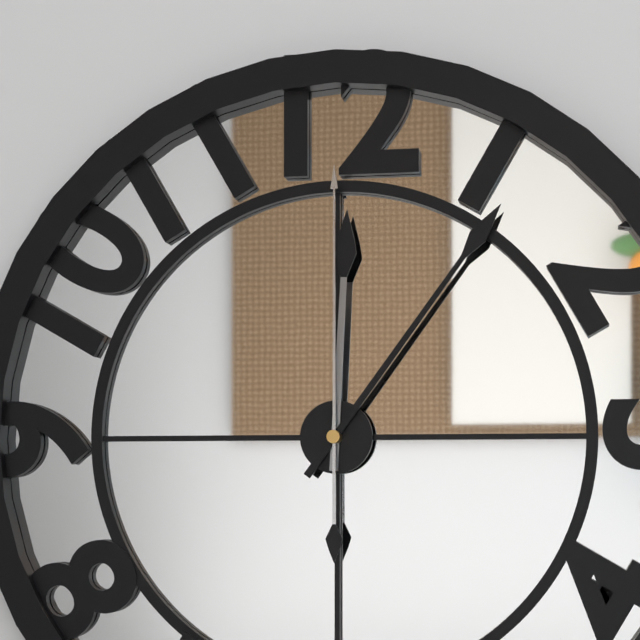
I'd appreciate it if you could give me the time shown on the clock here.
12:06:00
